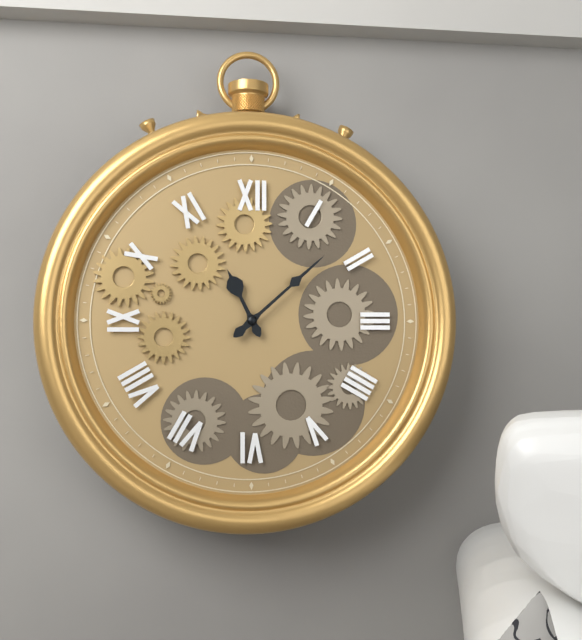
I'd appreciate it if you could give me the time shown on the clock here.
11:08
